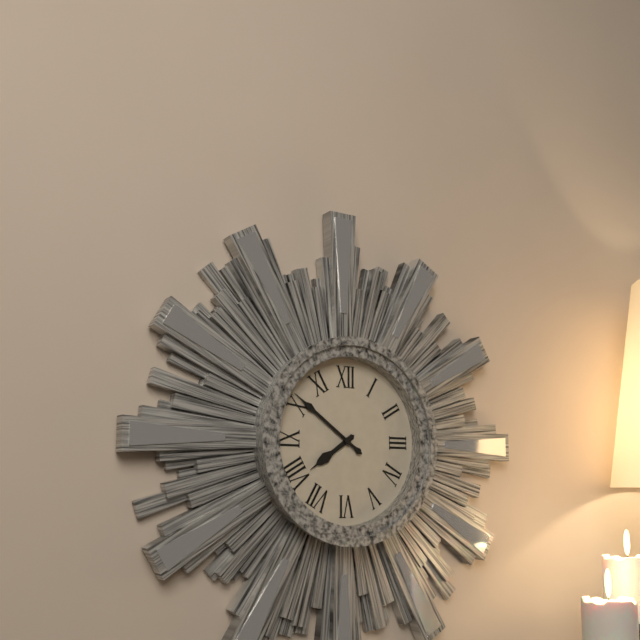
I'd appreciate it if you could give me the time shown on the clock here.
7:51
